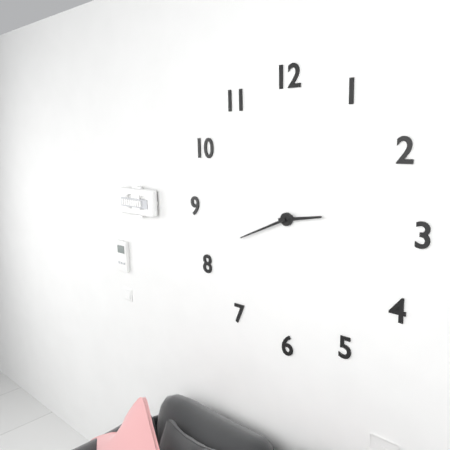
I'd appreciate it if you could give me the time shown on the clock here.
2:41
